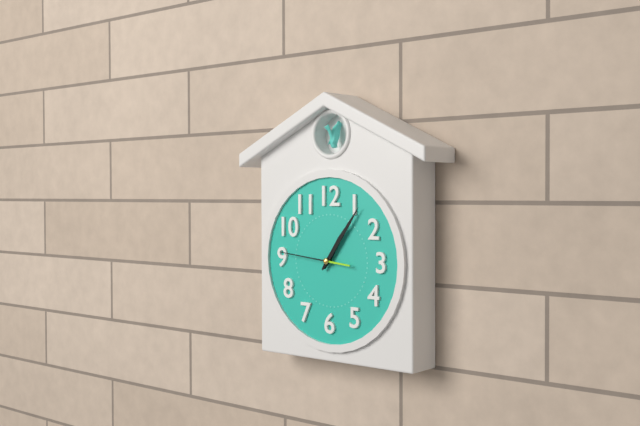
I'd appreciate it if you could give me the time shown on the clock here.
1:06:46
